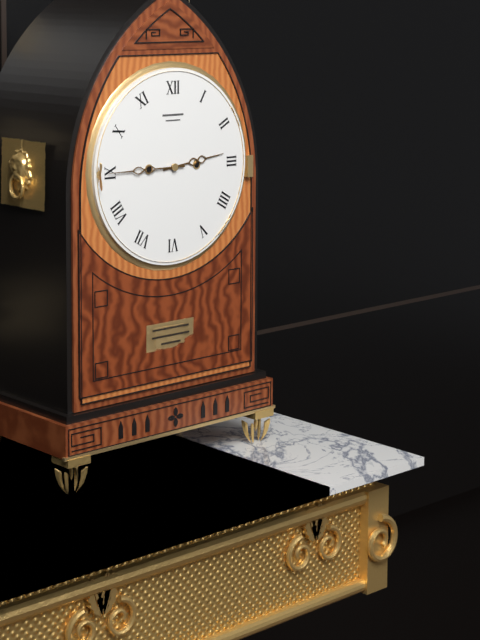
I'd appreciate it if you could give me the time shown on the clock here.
2:45
